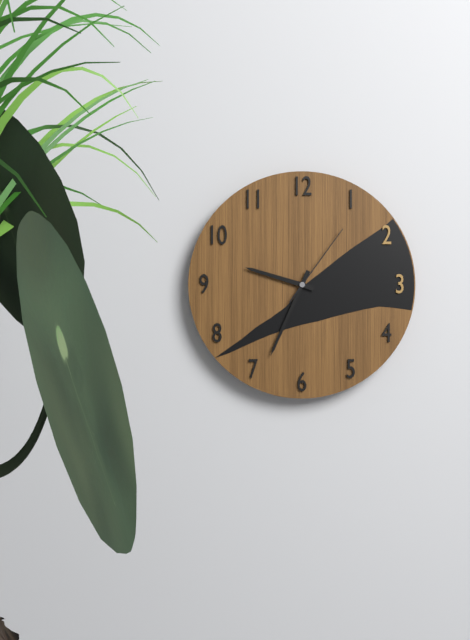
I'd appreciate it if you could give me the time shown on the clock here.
9:34:06
